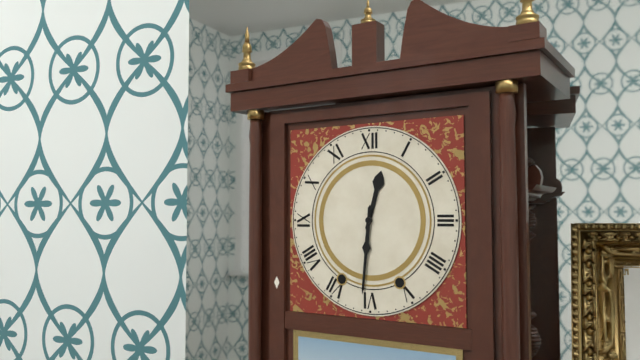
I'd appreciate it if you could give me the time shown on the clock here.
12:31
